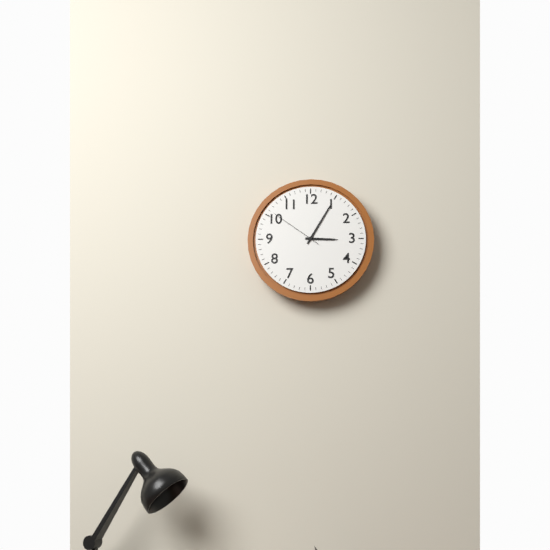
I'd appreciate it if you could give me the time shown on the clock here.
3:05:51
